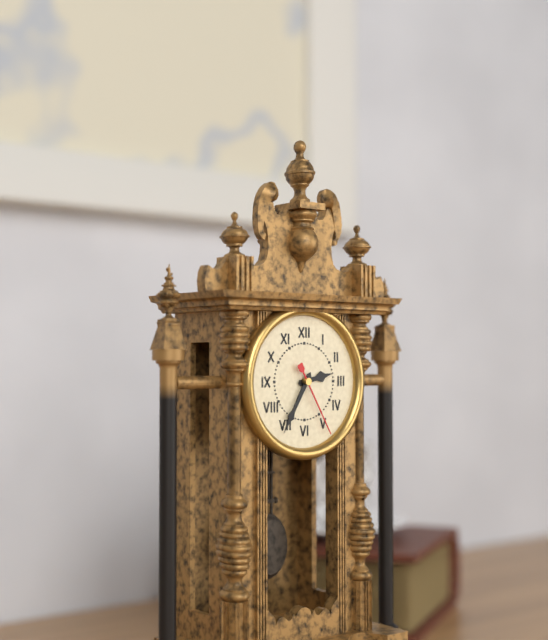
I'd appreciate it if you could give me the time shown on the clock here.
2:35:25
